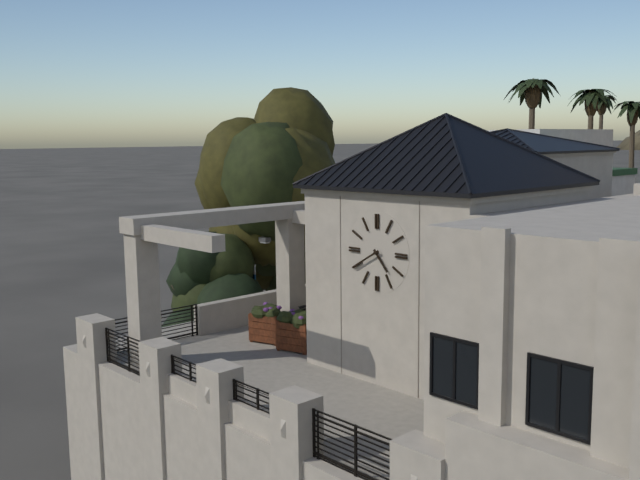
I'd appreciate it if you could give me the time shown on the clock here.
4:40
